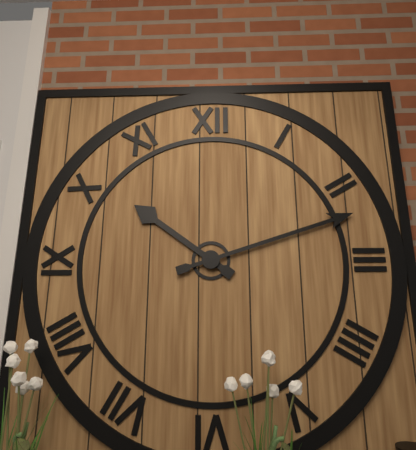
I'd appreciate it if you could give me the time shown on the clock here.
10:12
